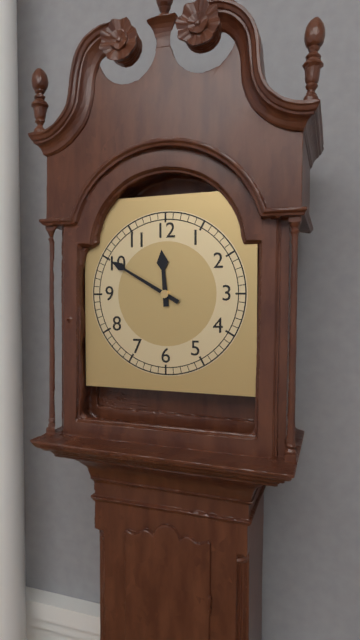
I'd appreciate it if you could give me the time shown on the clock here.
11:50
